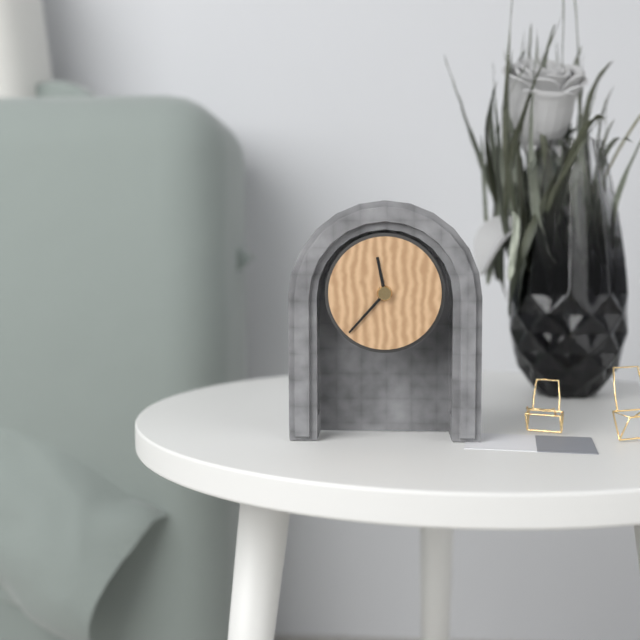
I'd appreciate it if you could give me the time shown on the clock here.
11:37
